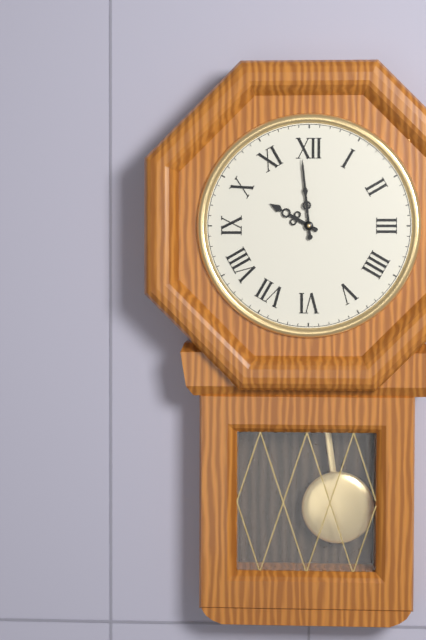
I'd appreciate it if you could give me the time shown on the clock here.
9:59
